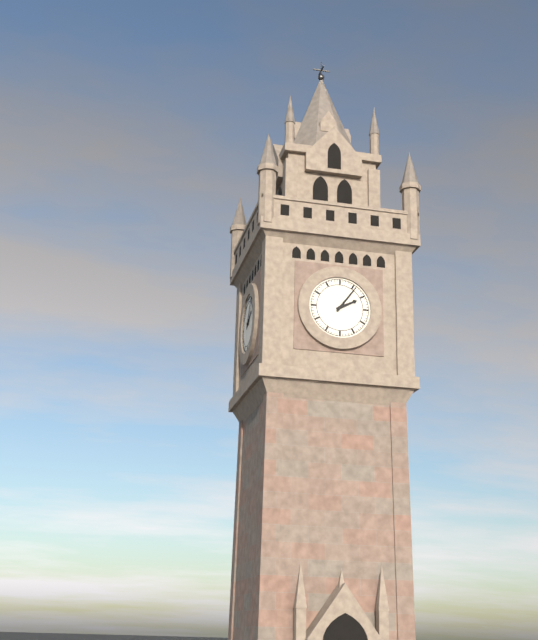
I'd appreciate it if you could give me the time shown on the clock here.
2:06
